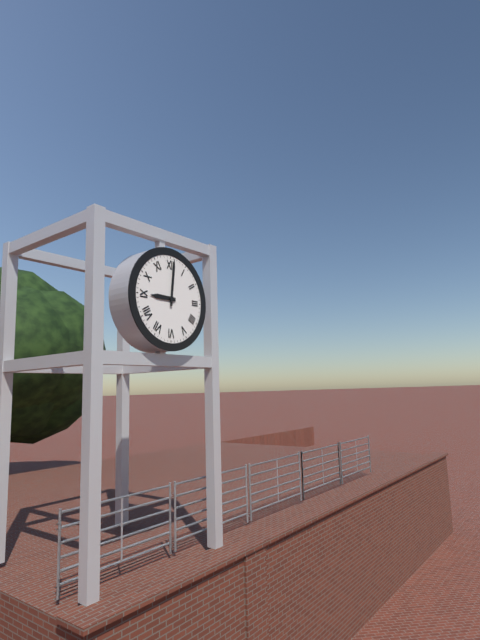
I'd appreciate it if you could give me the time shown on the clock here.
9:01
